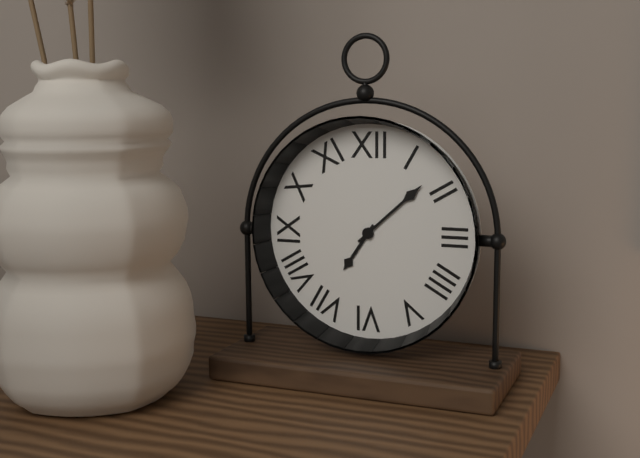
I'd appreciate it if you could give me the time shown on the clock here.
7:08
